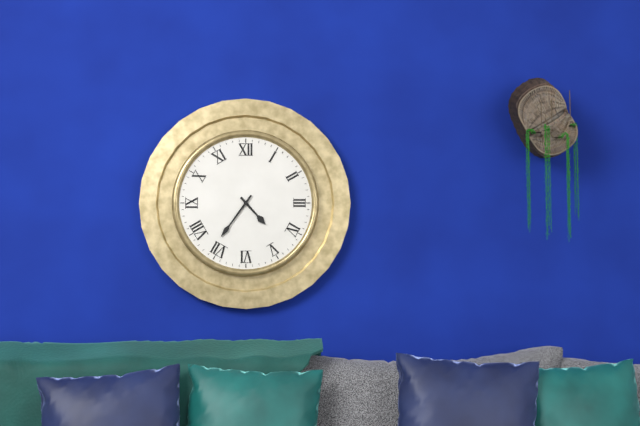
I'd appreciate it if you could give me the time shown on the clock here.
4:36
